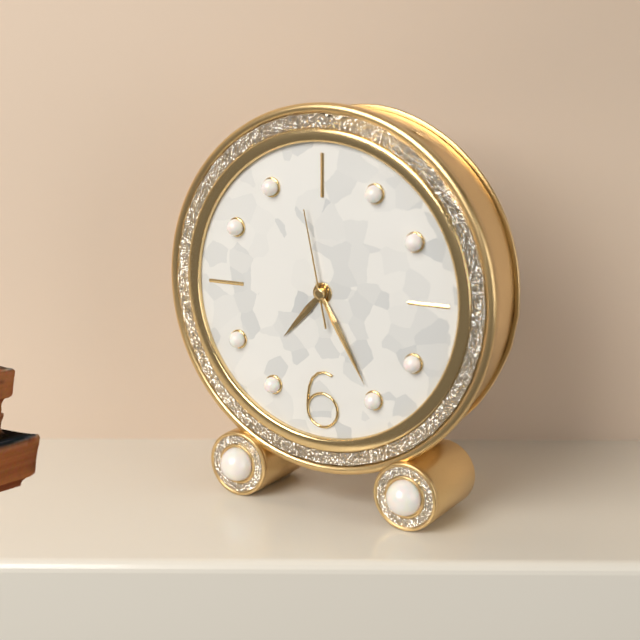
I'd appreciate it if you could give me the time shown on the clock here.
7:25:58
